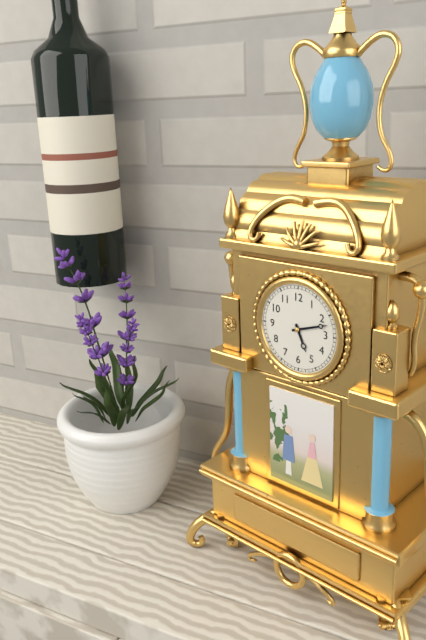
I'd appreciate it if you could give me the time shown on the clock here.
5:12
